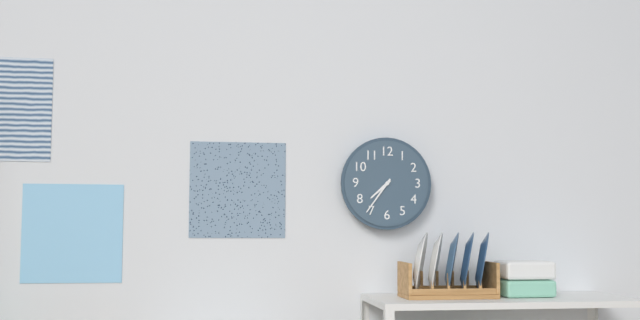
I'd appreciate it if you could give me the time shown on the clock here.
7:36
